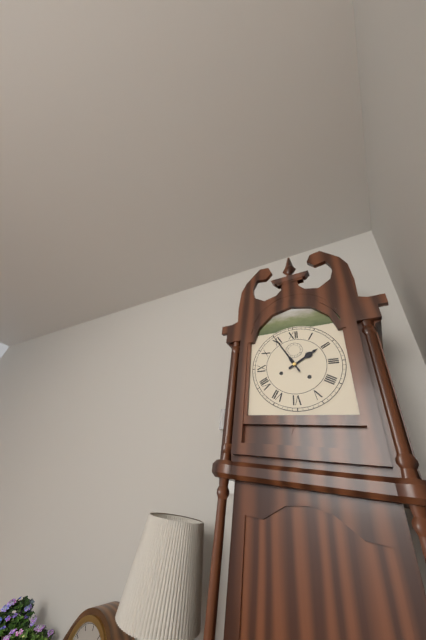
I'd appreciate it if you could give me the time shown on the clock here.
1:55
